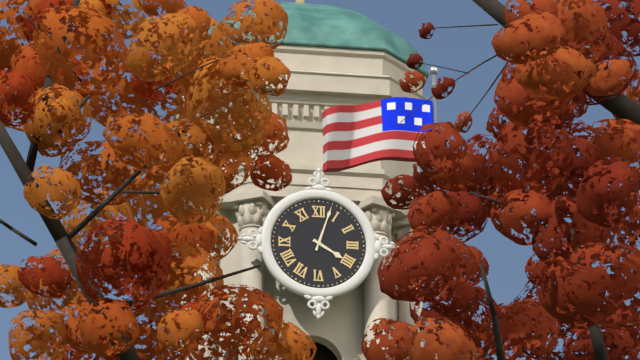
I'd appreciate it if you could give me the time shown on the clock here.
4:03
